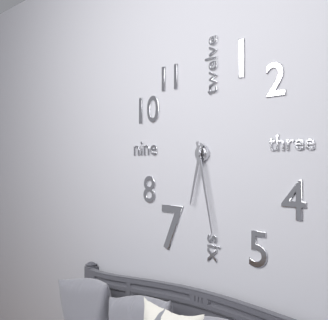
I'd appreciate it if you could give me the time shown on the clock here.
6:28
